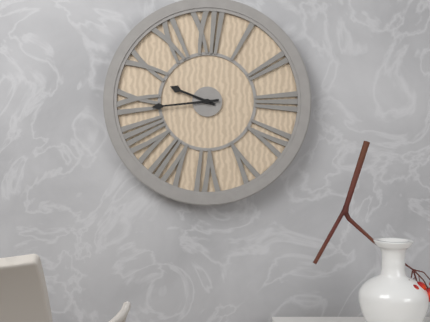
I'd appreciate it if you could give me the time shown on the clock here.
9:44
